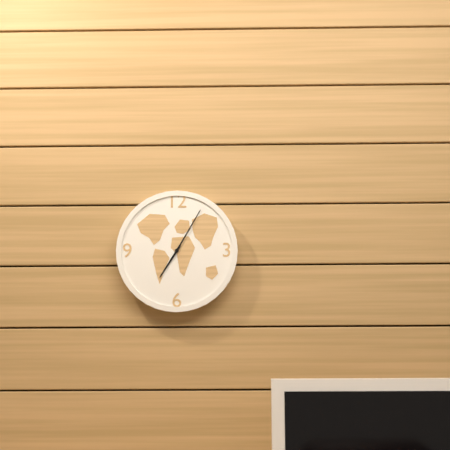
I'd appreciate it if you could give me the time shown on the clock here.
7:05
